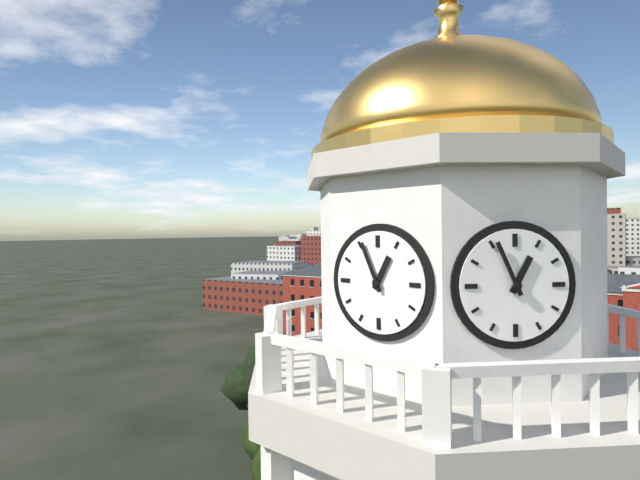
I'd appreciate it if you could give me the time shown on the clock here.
12:56
